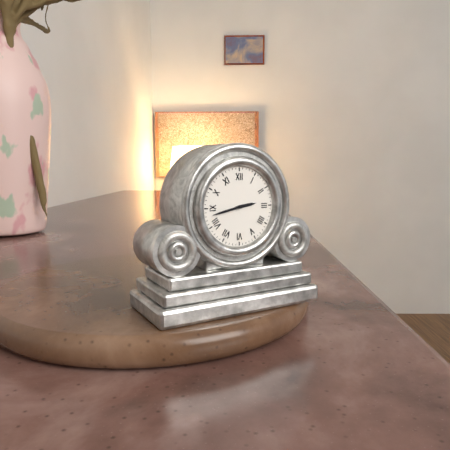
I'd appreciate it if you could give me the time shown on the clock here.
2:43
